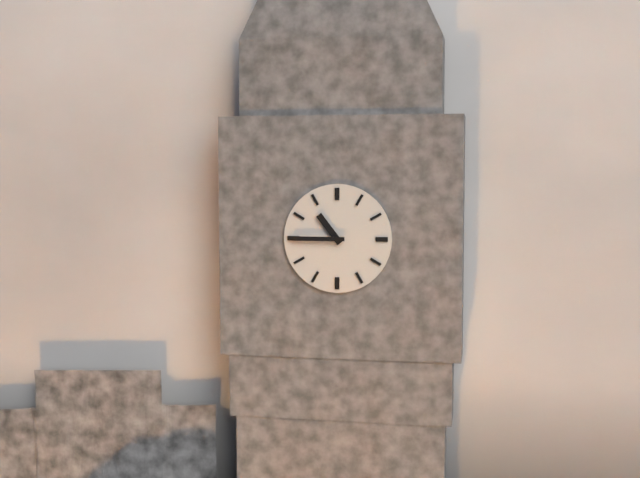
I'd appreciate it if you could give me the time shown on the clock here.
10:45
